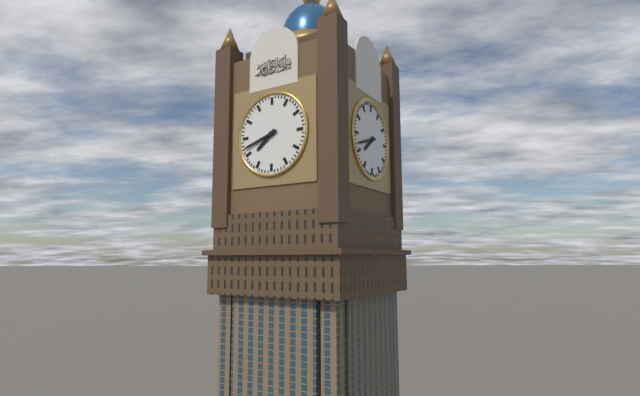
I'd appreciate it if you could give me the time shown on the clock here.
7:42
